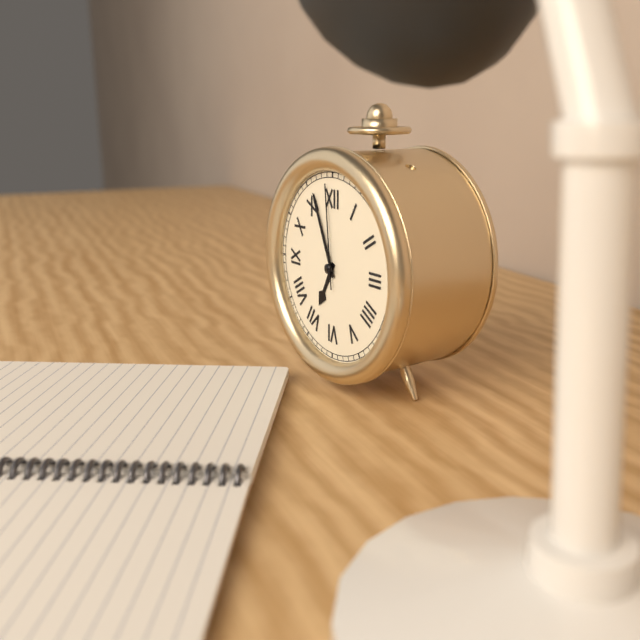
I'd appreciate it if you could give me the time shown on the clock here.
6:56:59
